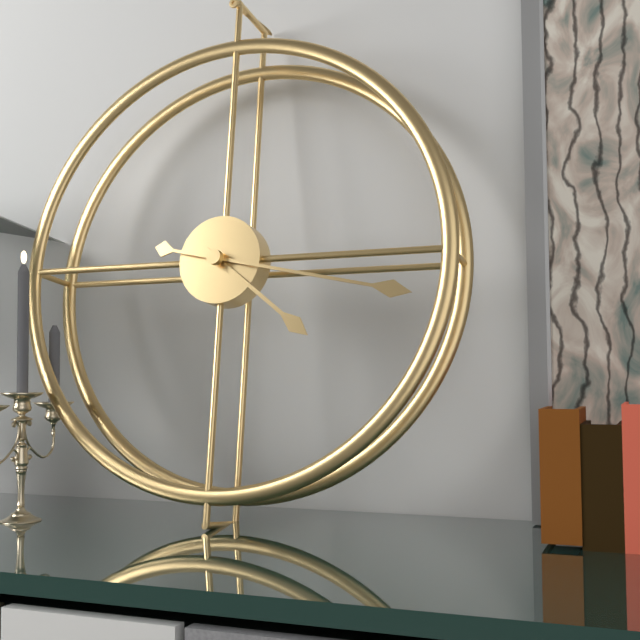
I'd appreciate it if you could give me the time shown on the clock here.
4:17
